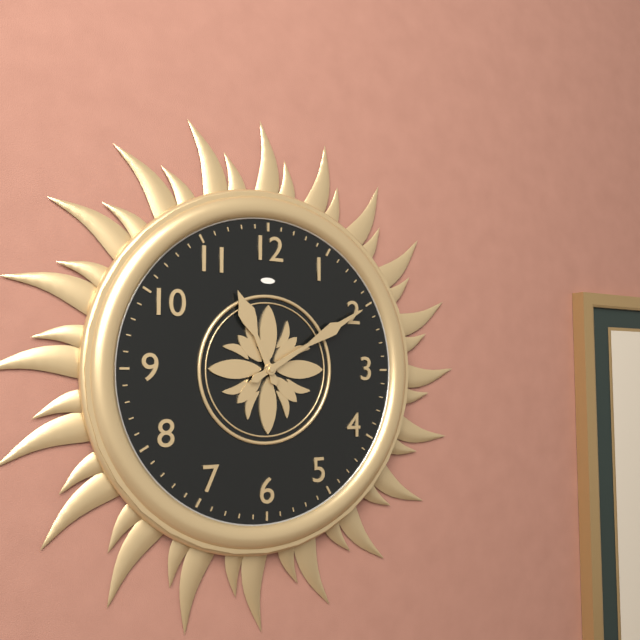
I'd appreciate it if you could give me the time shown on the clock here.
11:10
